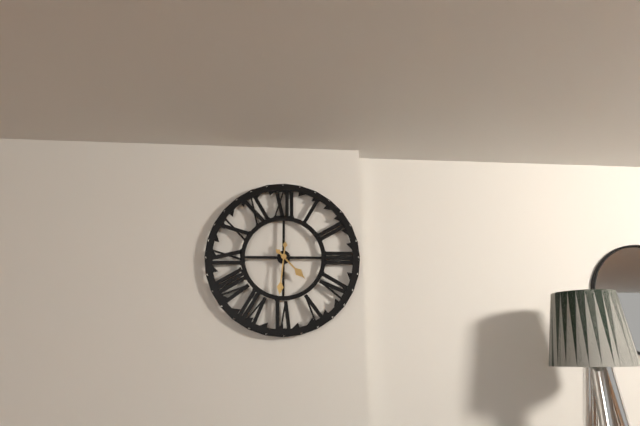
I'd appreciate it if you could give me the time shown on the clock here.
4:31
